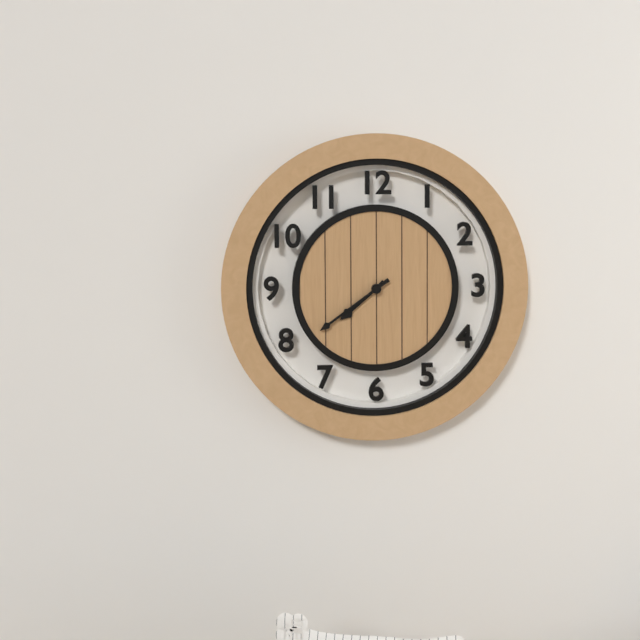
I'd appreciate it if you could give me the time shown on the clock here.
7:39
